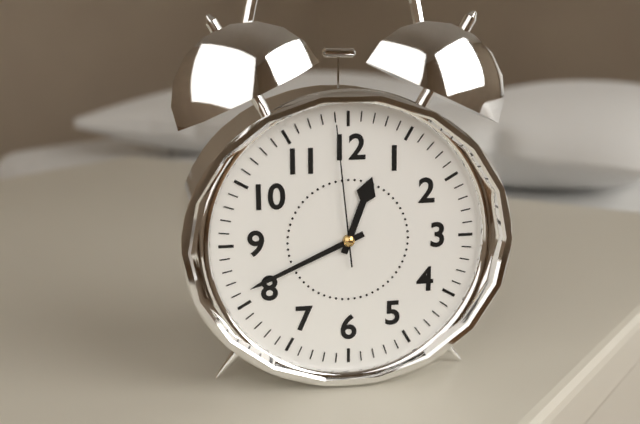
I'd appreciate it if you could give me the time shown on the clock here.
12:41:59
